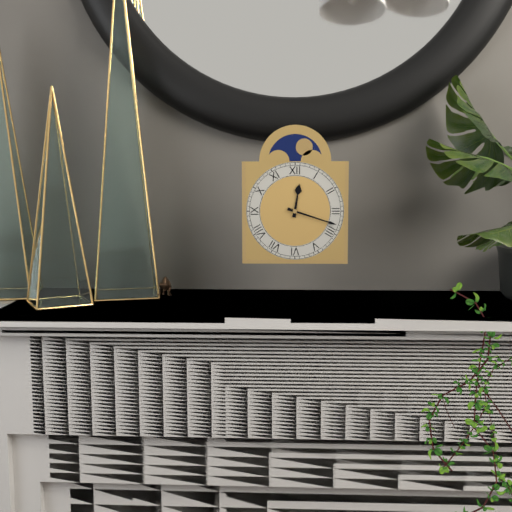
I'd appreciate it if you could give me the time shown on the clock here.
12:18
